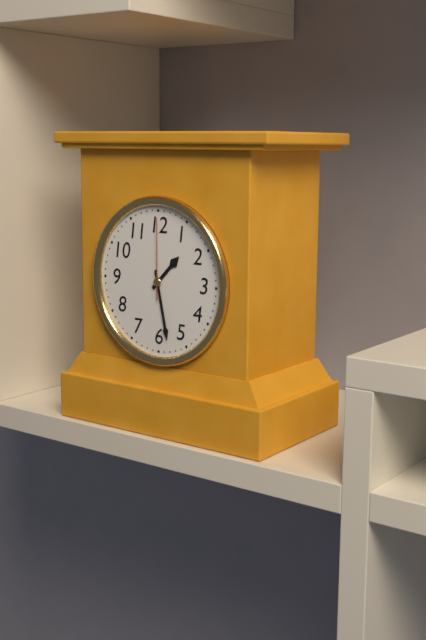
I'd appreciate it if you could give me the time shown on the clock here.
1:28:00
